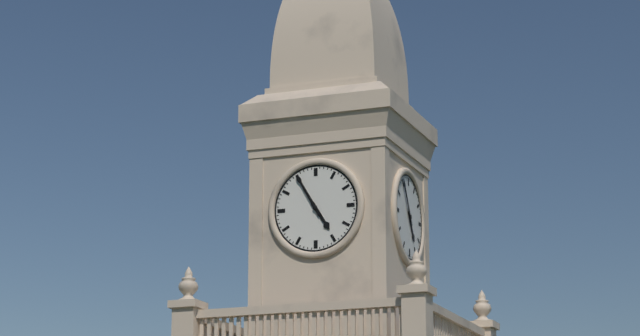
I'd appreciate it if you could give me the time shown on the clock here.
4:55
